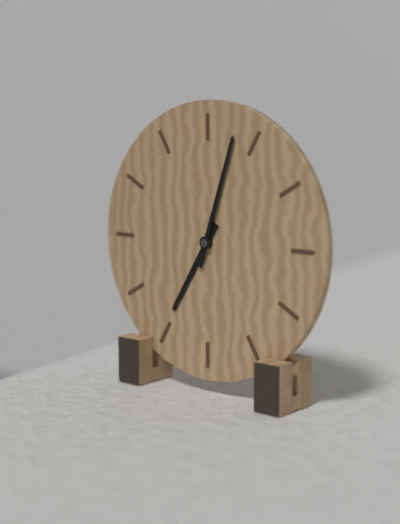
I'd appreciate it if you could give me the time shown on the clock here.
7:03
